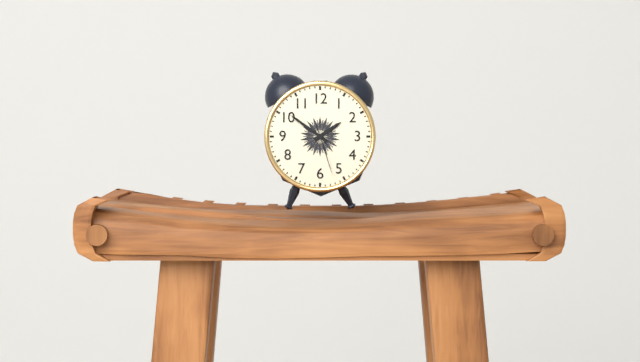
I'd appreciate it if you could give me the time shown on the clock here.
1:51:27
